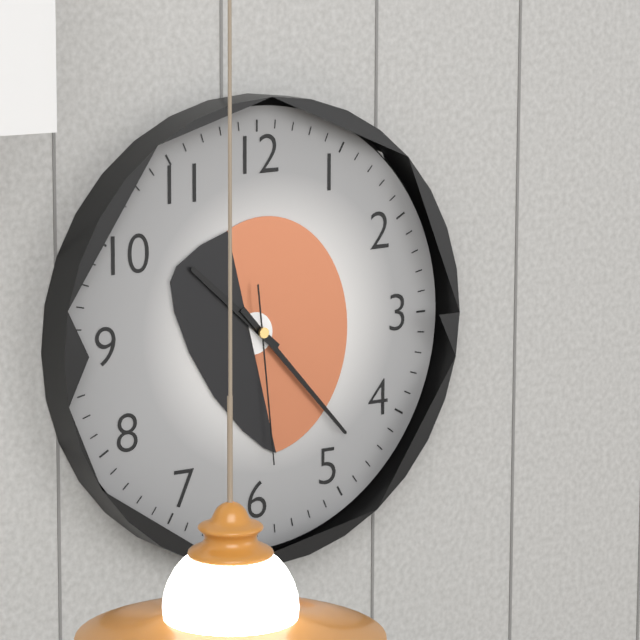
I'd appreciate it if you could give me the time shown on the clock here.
10:23:29
